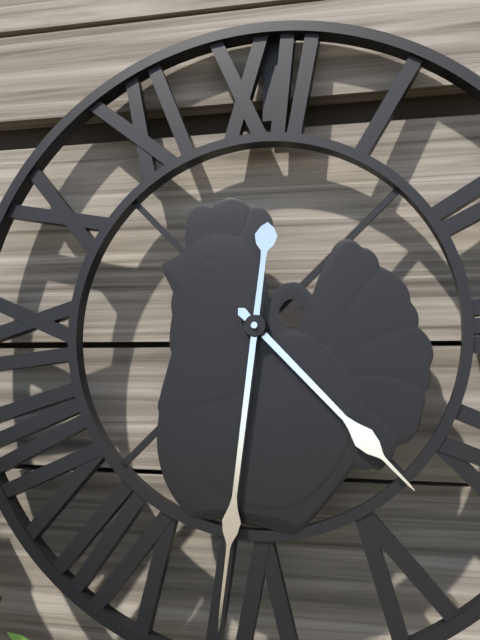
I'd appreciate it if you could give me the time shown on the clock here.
4:31
